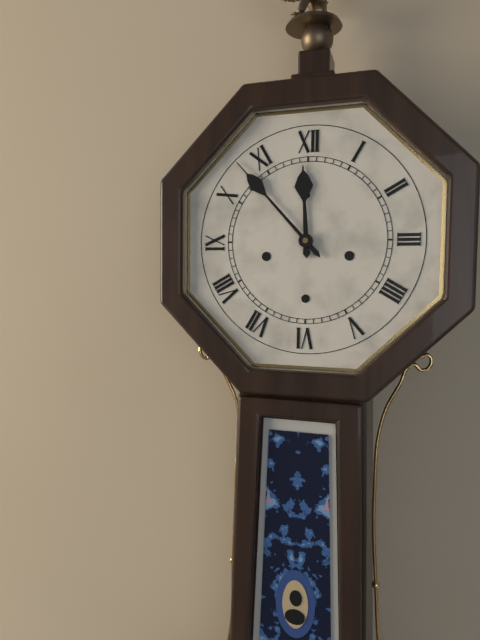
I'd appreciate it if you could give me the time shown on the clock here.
11:53
